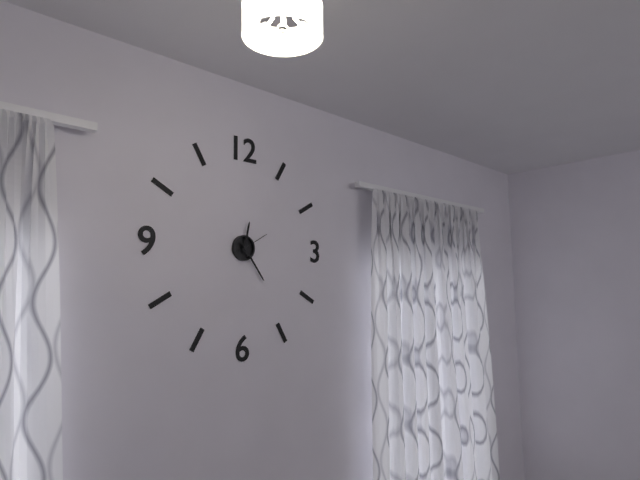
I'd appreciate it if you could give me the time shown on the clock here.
12:24
